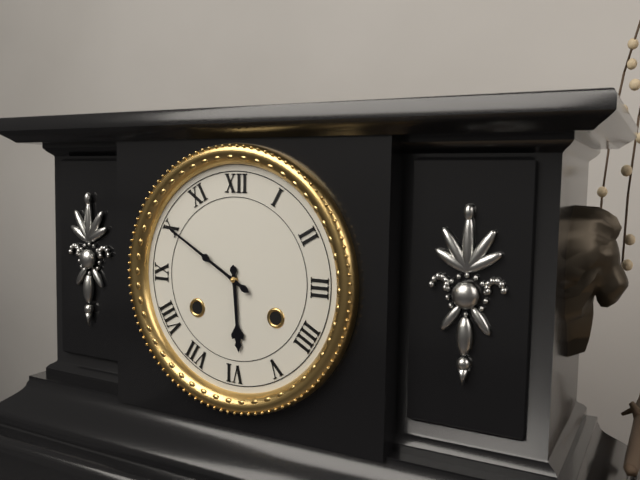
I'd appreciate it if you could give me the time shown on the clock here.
5:50
